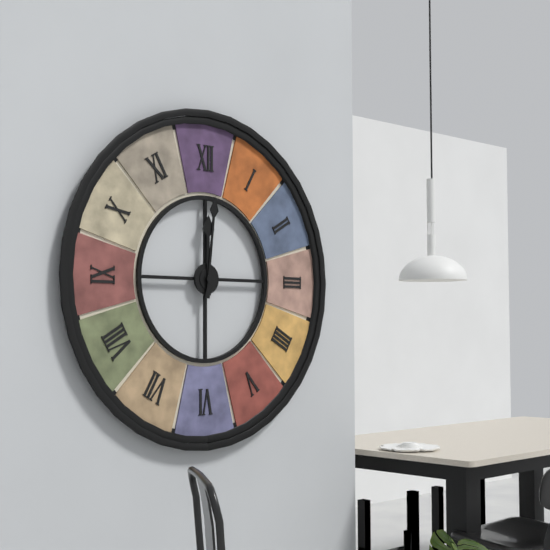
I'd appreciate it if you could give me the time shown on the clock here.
12:01
